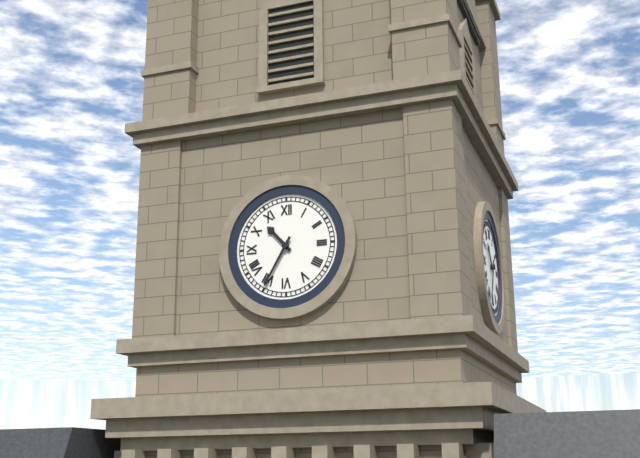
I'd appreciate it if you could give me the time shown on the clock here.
10:35
